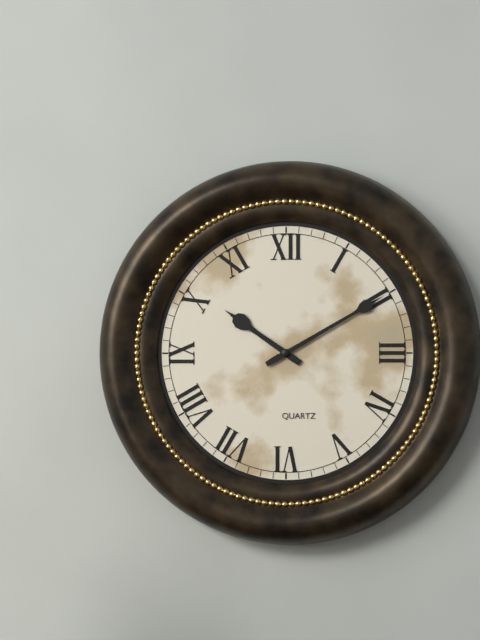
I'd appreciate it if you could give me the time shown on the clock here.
10:10
